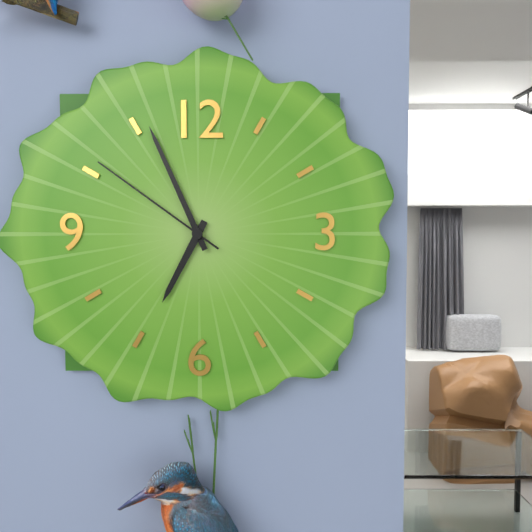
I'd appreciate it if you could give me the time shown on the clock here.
6:56:51
